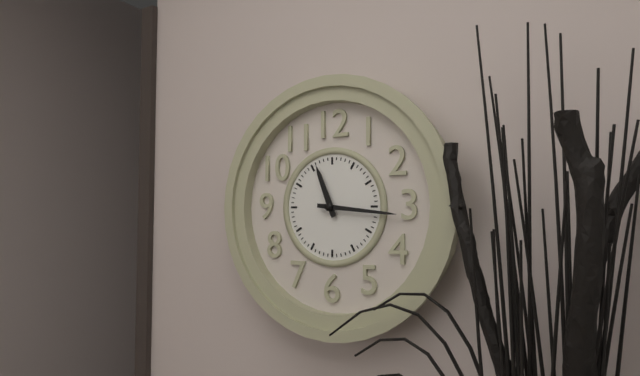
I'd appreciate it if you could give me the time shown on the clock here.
11:16
